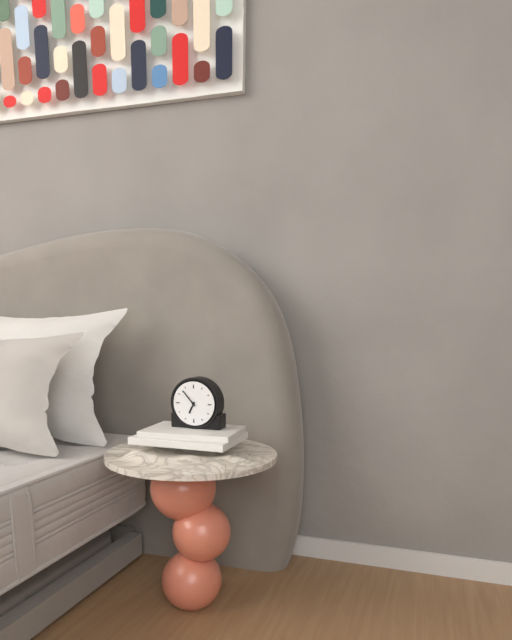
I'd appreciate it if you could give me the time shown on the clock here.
6:53
